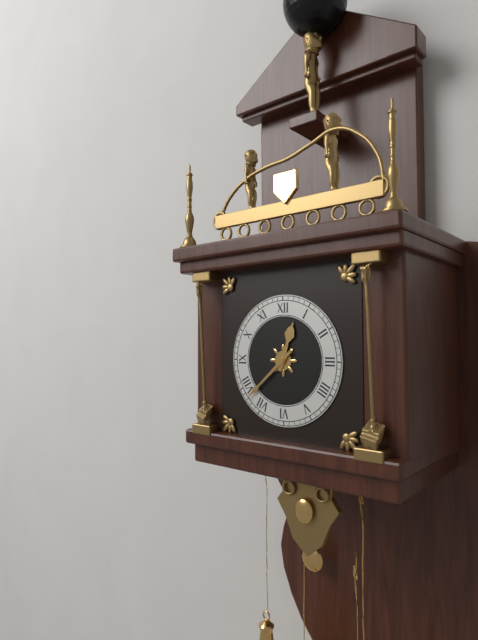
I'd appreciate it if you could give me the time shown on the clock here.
12:38
